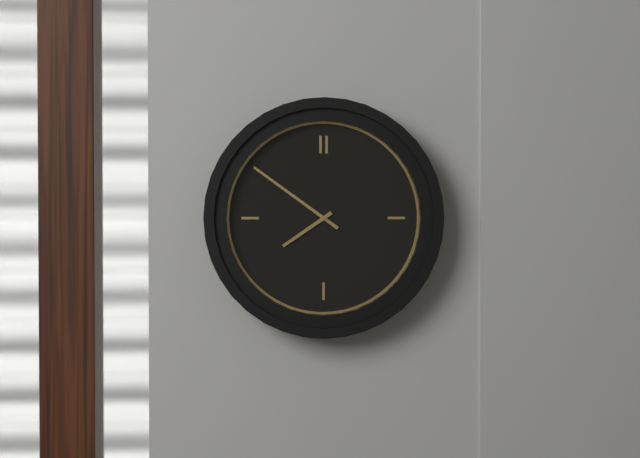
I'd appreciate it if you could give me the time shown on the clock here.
7:51
